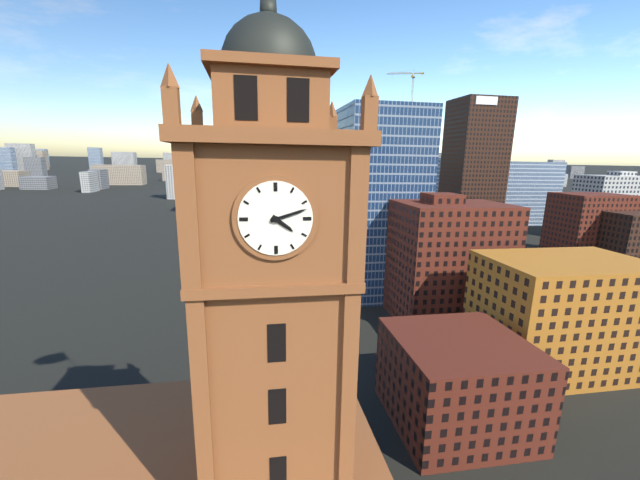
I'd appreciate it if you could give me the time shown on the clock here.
4:12
